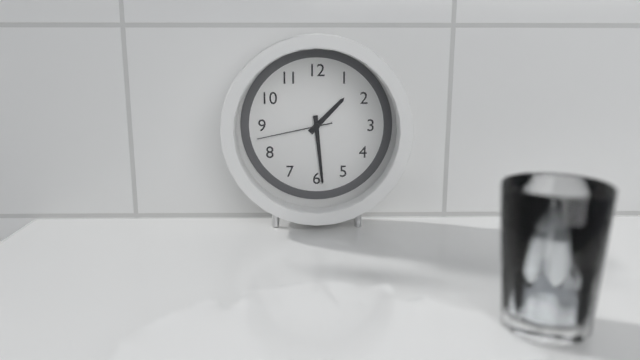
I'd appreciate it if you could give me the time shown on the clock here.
1:29:43
